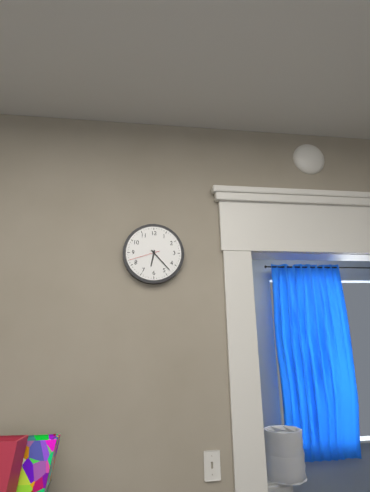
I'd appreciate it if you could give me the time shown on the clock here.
6:23
